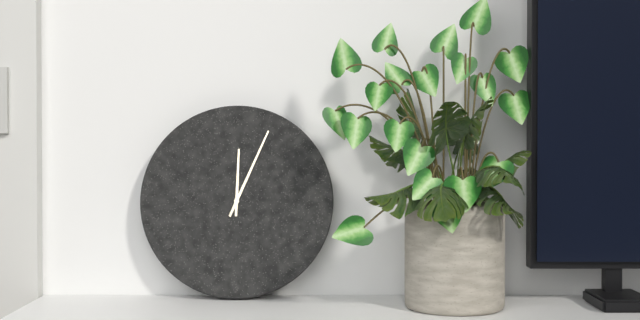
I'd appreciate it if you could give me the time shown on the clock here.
12:04
